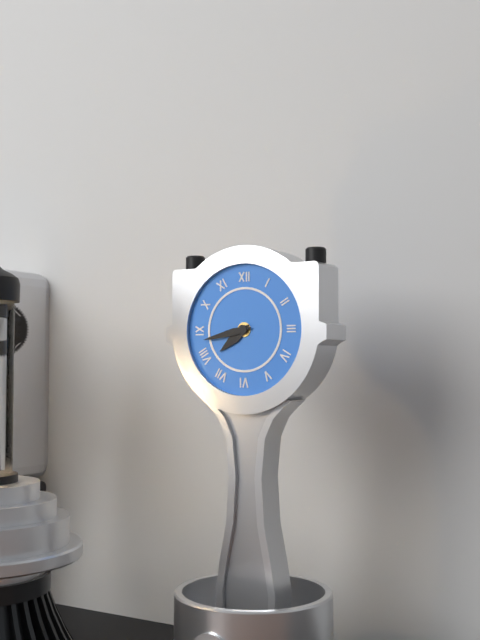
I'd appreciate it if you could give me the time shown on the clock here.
7:43
